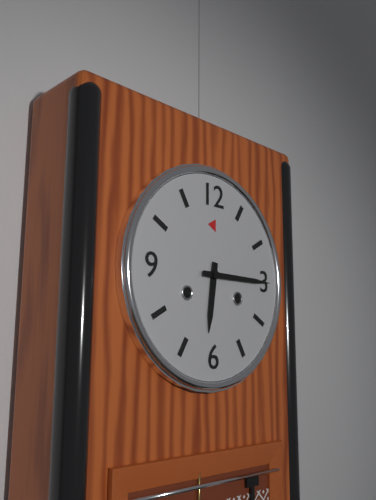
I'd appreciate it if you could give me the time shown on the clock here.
6:15
